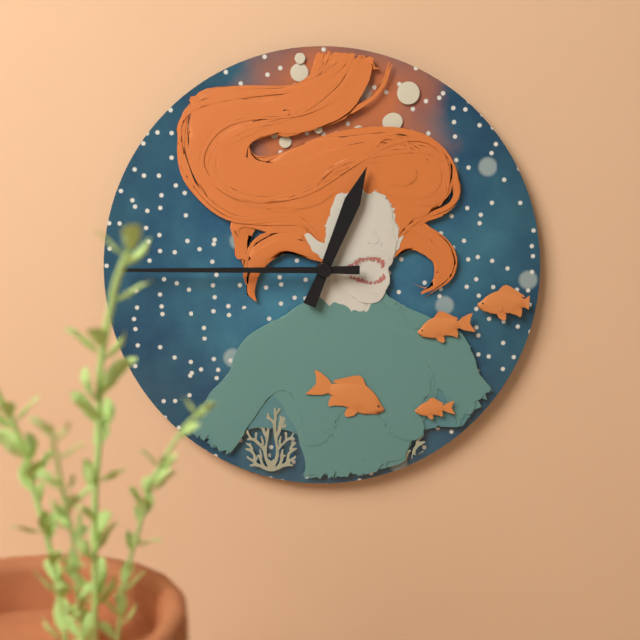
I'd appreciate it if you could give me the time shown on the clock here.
12:45
